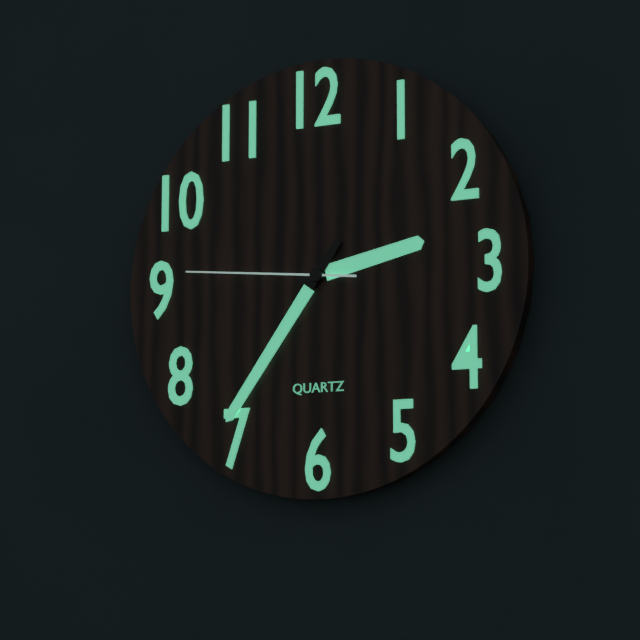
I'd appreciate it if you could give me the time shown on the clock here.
2:36:46
